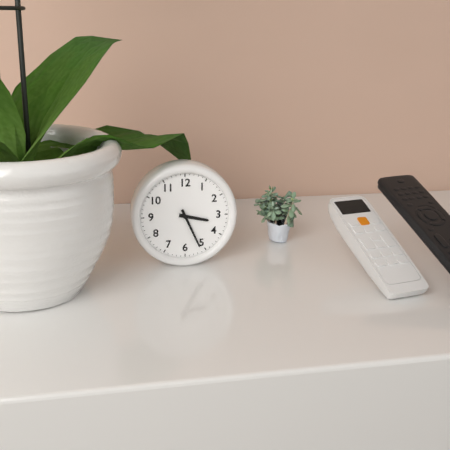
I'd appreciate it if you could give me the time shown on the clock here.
3:26
